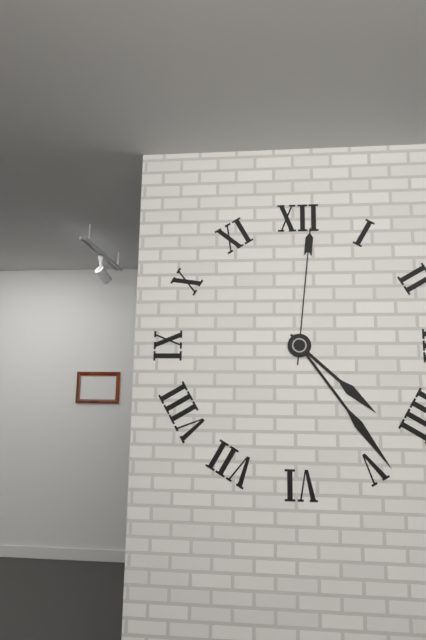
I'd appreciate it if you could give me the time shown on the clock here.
4:24:01
